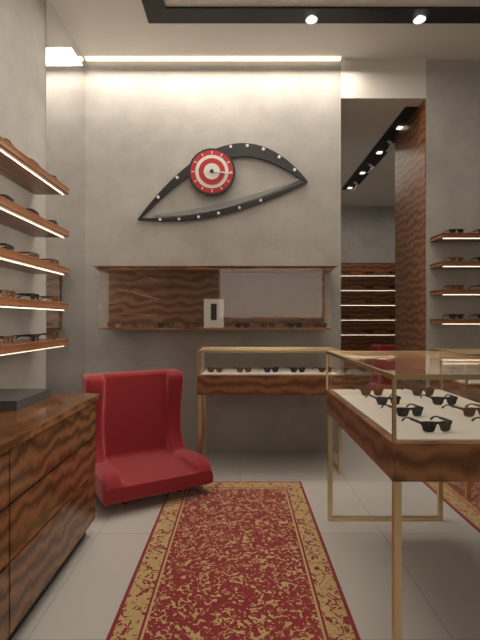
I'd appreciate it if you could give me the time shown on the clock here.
3:16
